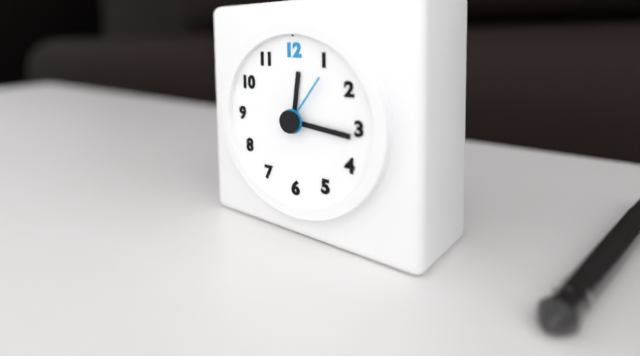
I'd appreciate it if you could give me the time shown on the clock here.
12:16:06
